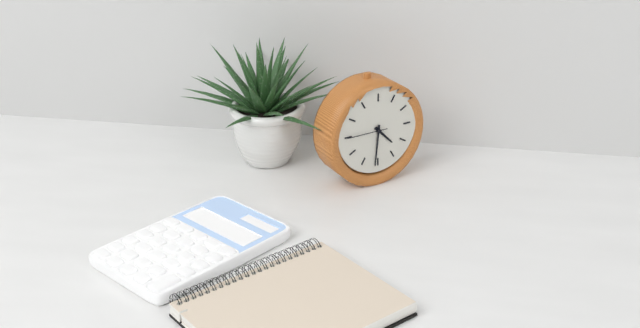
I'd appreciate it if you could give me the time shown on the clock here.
4:31
